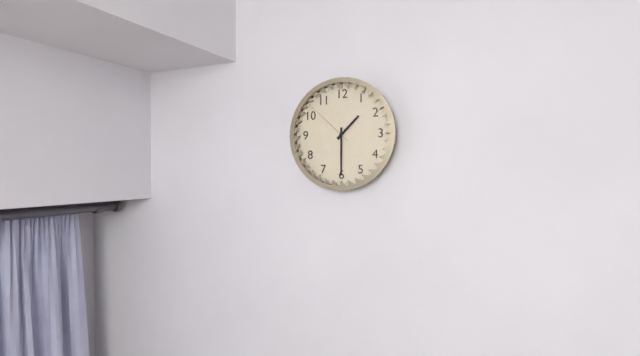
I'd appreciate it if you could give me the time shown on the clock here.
1:30:52
